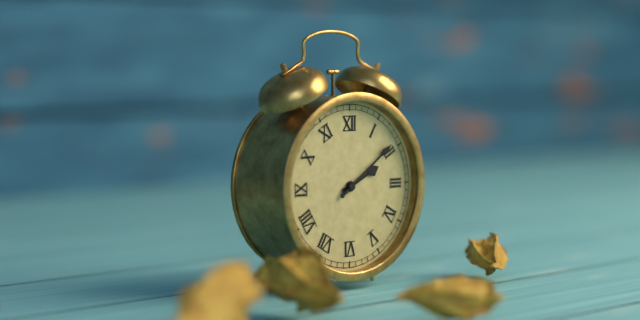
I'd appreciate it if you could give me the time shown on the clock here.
2:09
